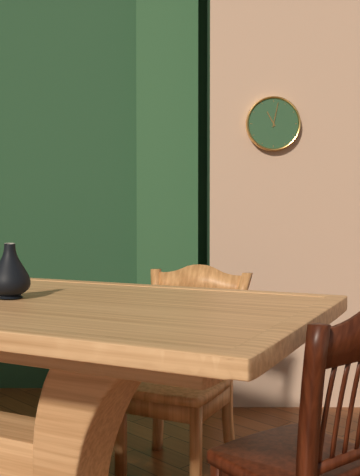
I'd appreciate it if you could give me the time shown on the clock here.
11:02
